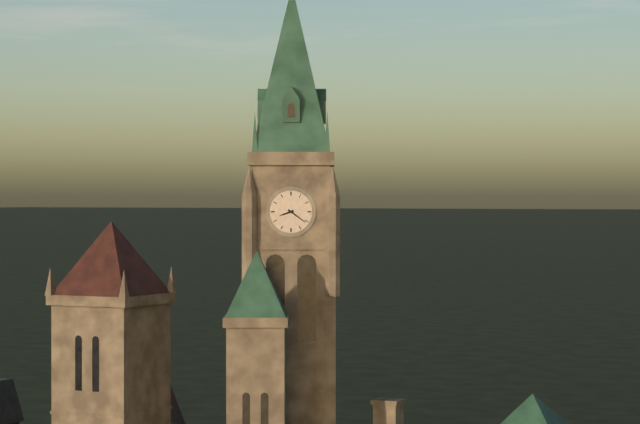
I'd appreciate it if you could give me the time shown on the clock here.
8:21
